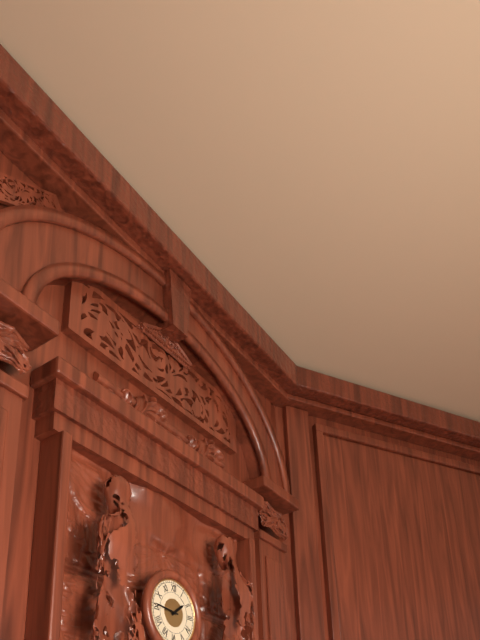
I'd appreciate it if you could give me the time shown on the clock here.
1:46
